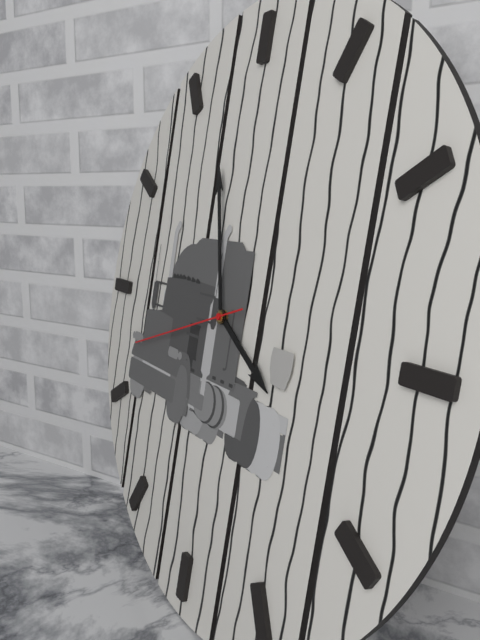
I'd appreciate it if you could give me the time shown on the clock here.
3:57:42
